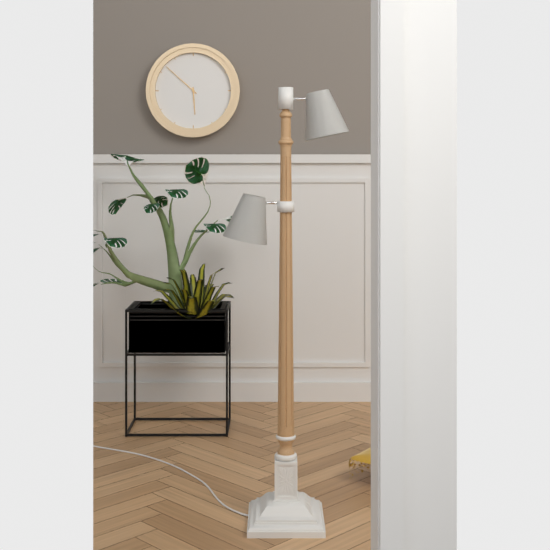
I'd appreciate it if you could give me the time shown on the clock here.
5:52
